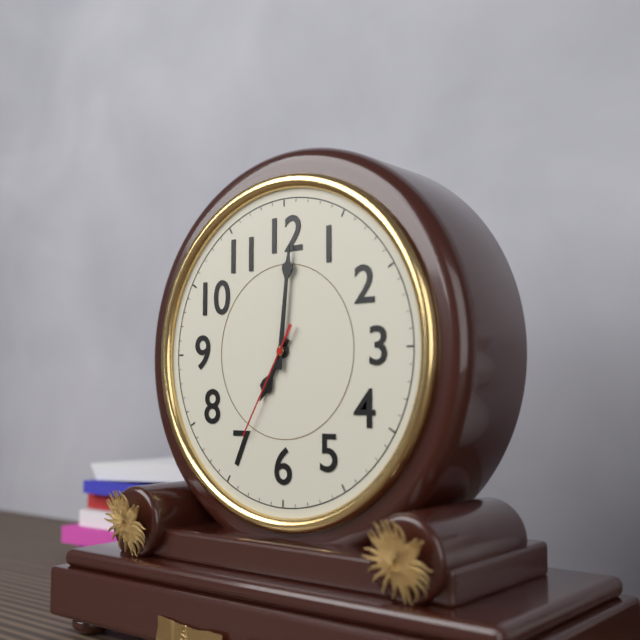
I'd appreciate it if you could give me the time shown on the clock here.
7:01:35
